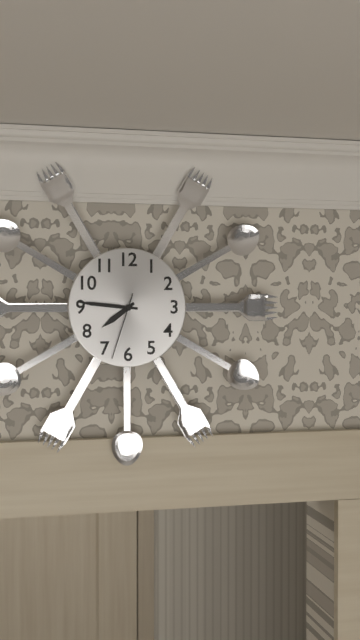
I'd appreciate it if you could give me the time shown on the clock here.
7:46:33
